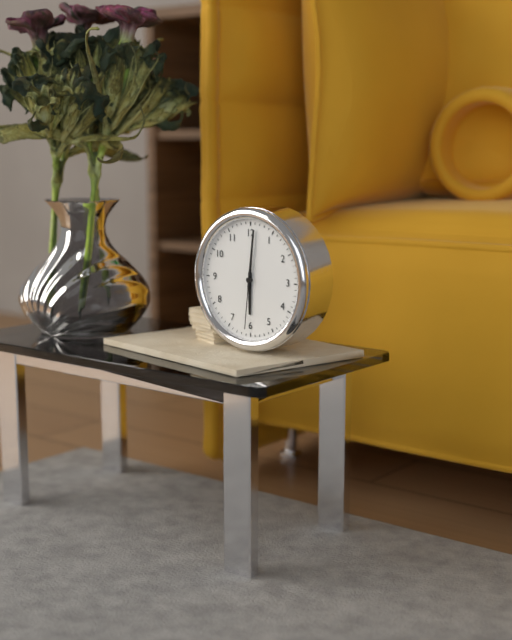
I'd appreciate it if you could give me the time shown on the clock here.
6:01:31
